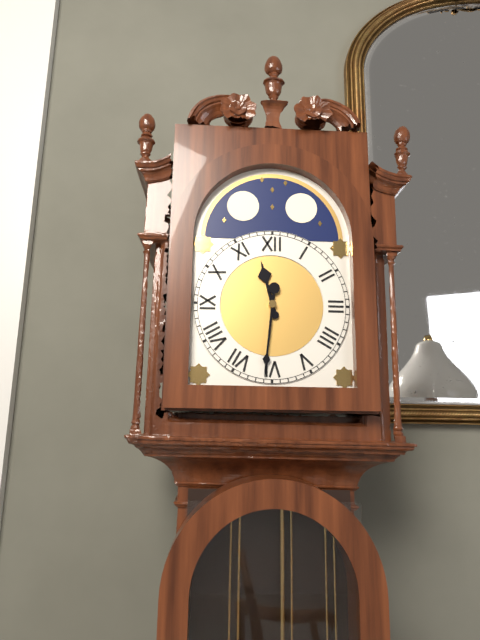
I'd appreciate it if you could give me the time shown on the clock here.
11:31
